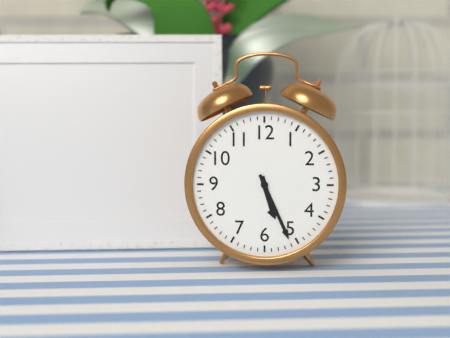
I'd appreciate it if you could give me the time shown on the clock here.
5:26
